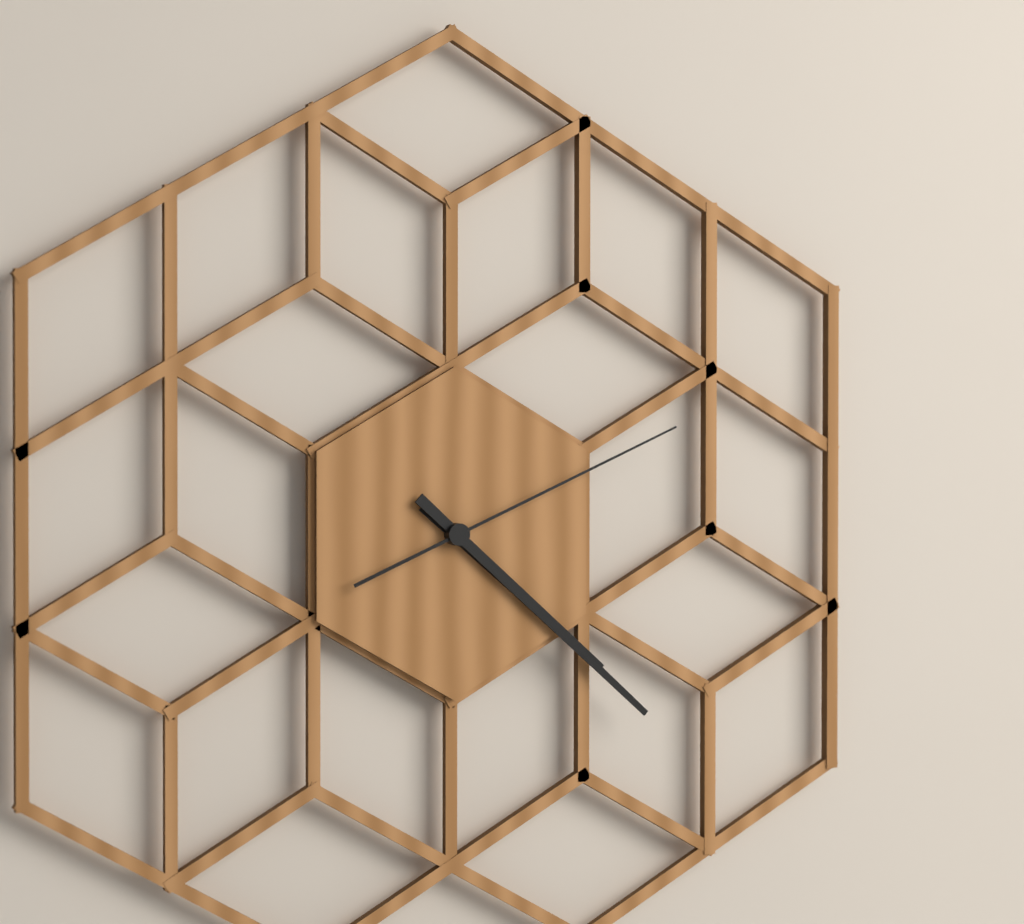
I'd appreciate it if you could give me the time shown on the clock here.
4:22:11
